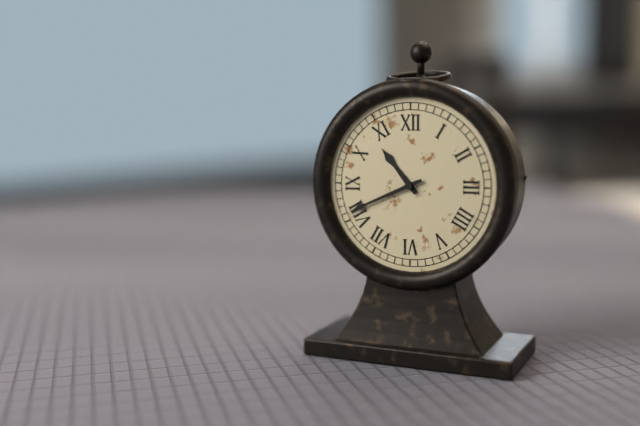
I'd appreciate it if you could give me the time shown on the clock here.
10:41
